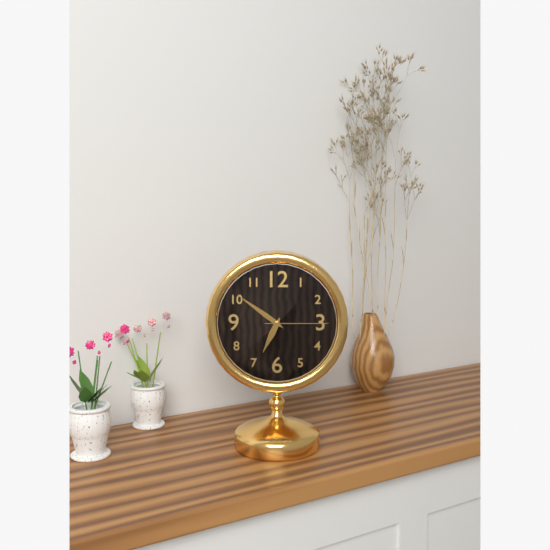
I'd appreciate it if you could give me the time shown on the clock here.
6:51:15
